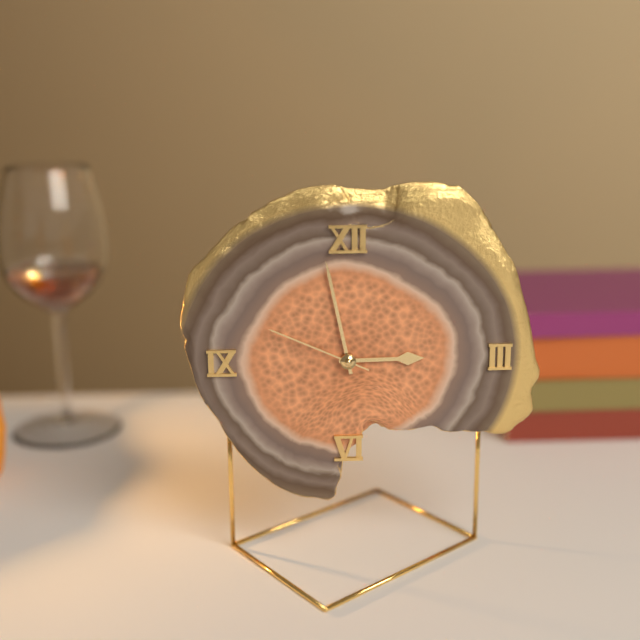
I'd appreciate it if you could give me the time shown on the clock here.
2:58:49
